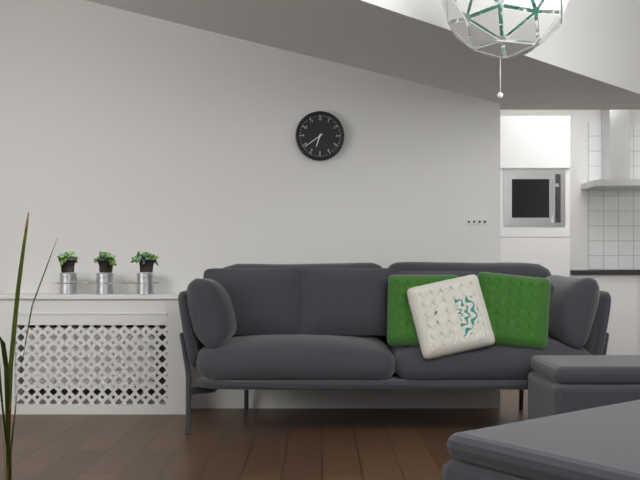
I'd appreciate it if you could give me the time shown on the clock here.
6:39
